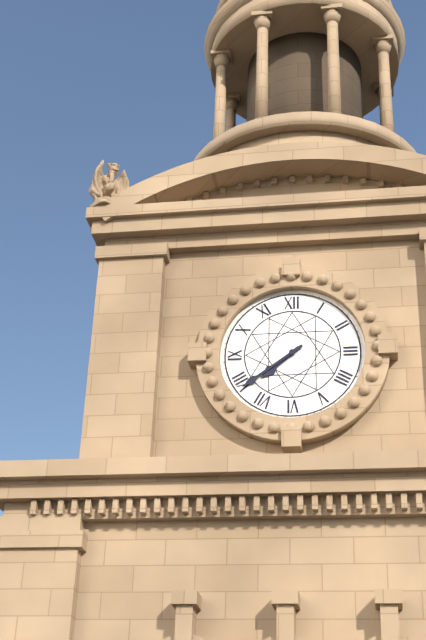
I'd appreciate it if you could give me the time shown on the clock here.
7:39
